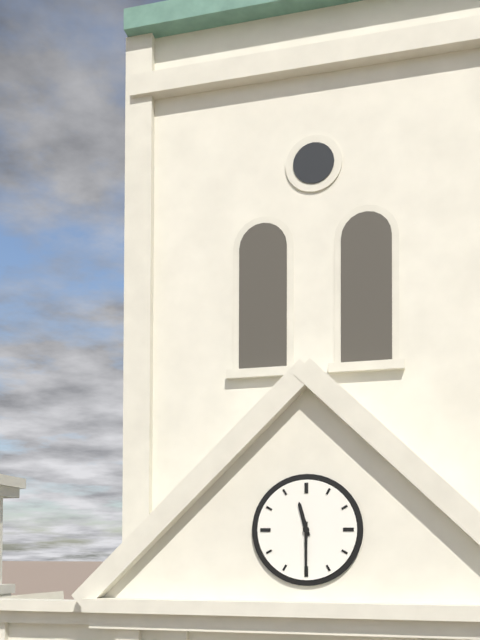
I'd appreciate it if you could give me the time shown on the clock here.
11:30
